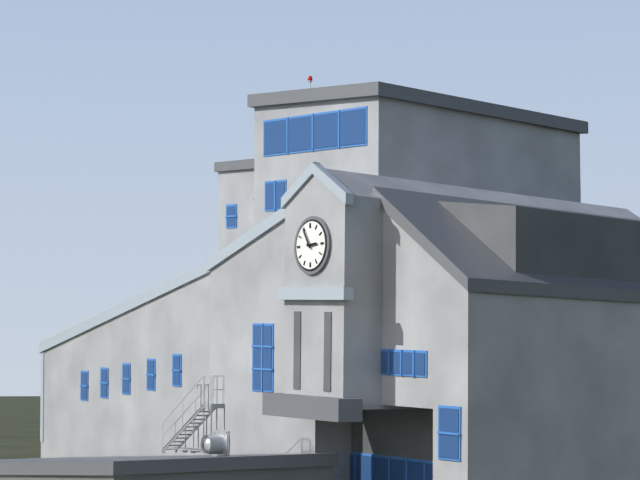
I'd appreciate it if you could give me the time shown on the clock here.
2:55
